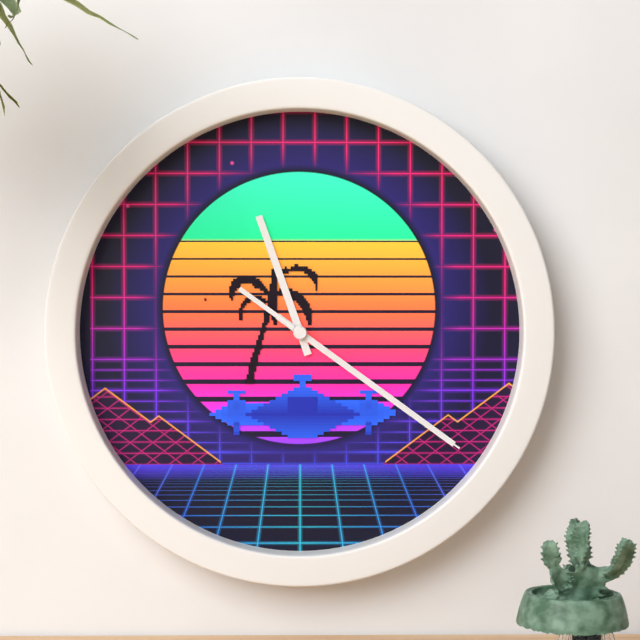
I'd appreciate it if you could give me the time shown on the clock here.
11:21:21
